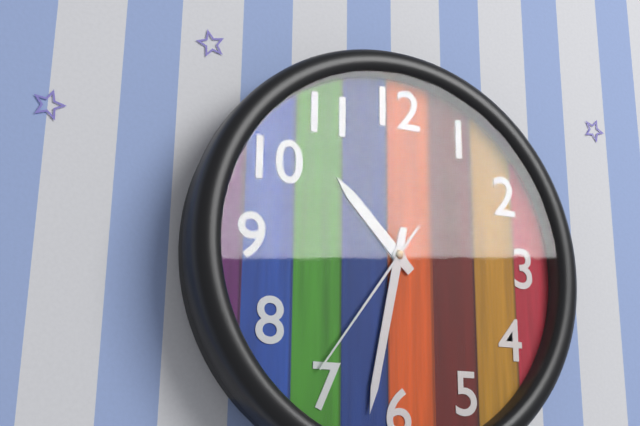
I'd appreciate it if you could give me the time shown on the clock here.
10:32:36
